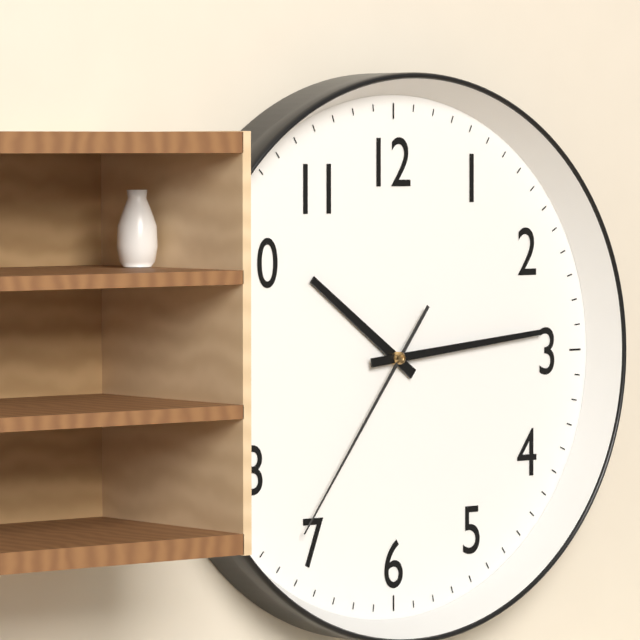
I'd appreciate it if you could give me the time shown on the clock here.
10:14:36
